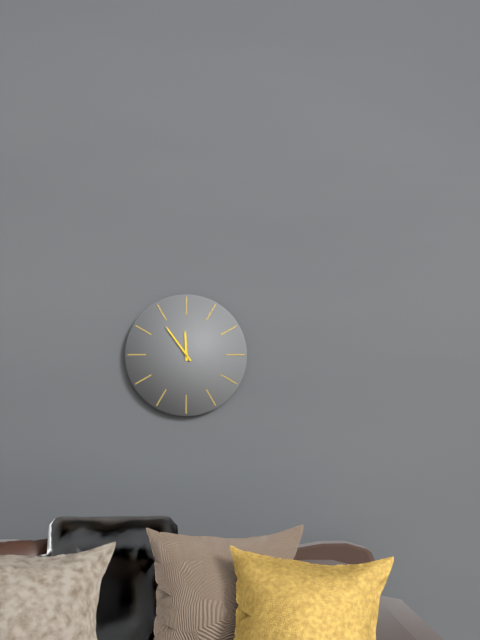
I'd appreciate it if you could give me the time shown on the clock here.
11:54
